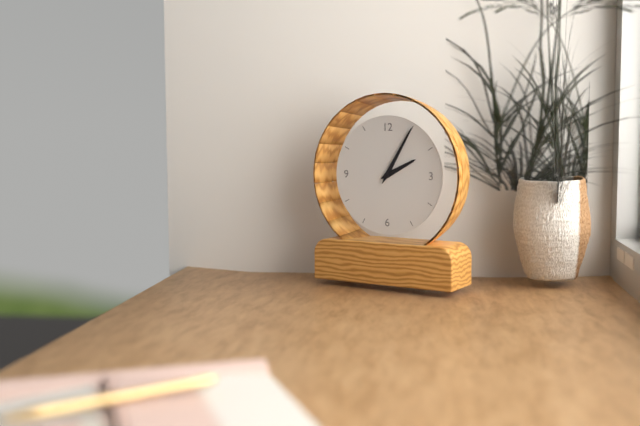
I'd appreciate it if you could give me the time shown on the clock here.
2:05
